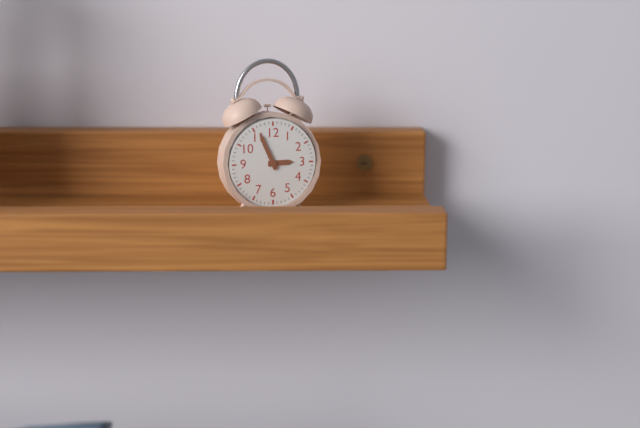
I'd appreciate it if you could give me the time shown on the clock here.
2:56
